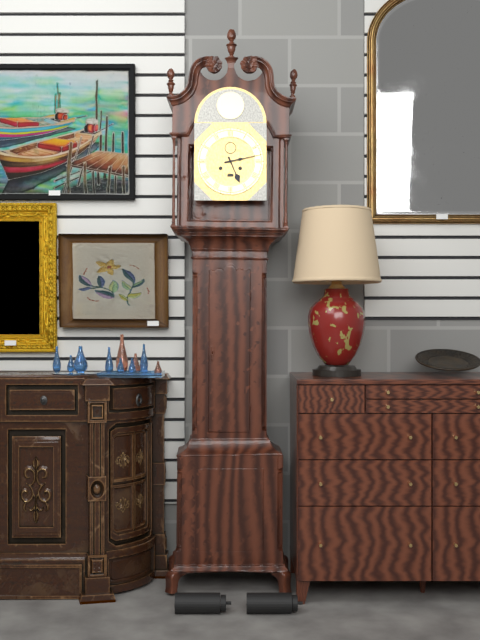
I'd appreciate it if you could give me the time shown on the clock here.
5:13
